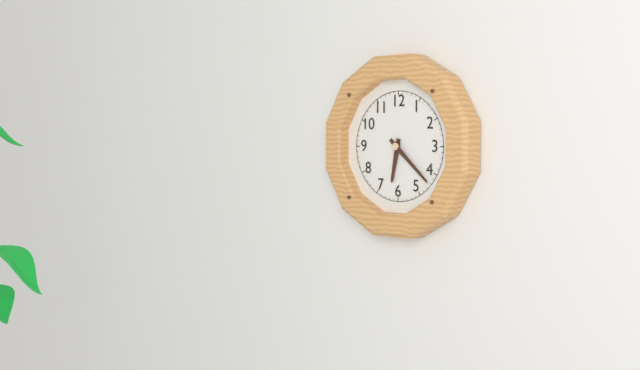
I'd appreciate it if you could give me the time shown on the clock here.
6:22
